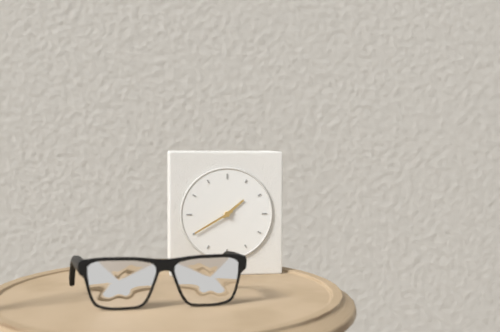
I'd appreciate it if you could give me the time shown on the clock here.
1:40
